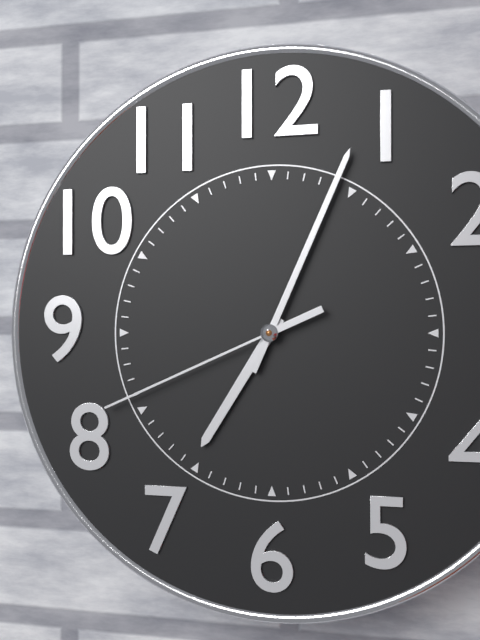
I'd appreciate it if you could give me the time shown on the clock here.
7:04:41
